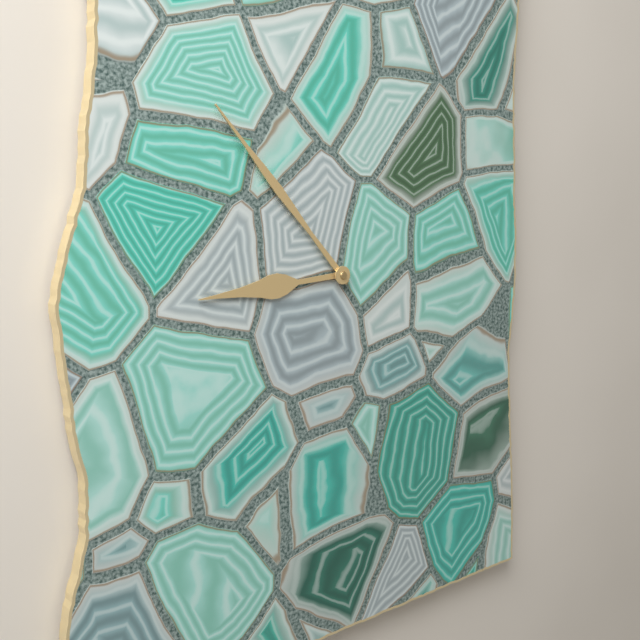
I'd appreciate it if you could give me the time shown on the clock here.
8:53
